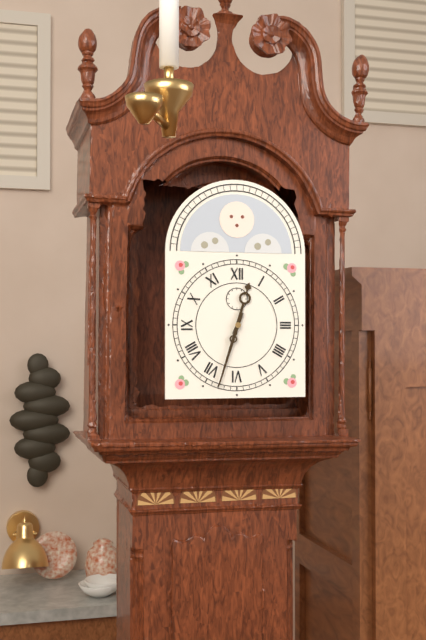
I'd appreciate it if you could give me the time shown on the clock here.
12:33
